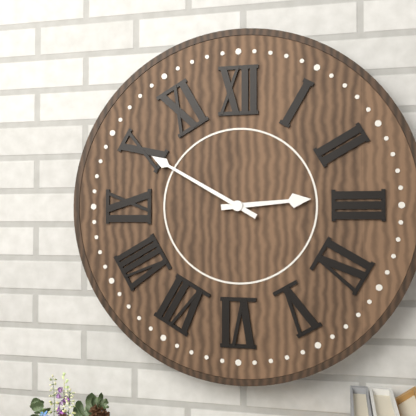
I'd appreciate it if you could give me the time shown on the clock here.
2:50
